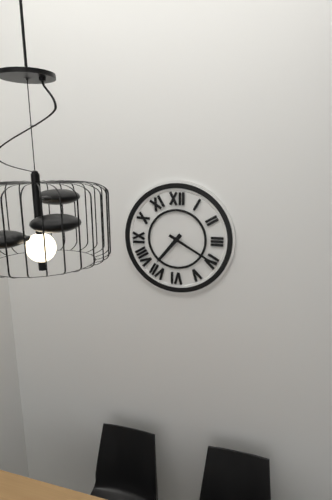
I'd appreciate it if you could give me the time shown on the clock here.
7:20
